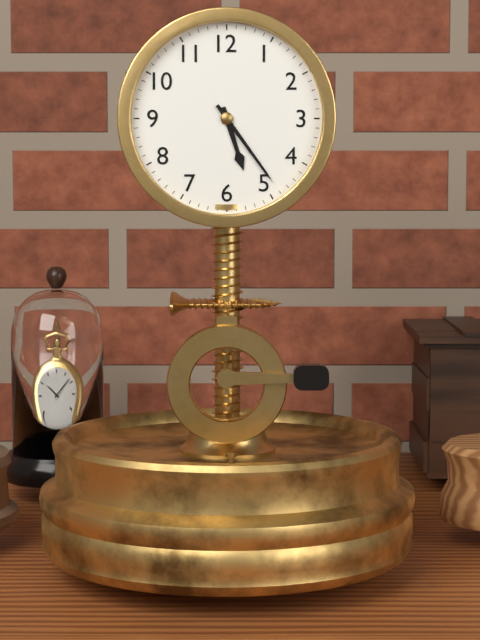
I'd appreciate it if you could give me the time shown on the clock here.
5:24
